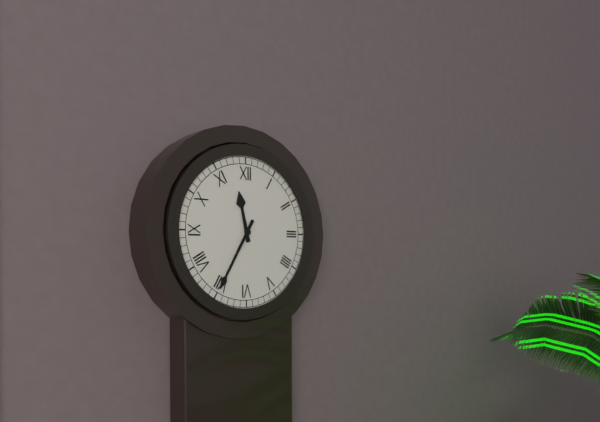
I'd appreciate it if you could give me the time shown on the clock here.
11:35
